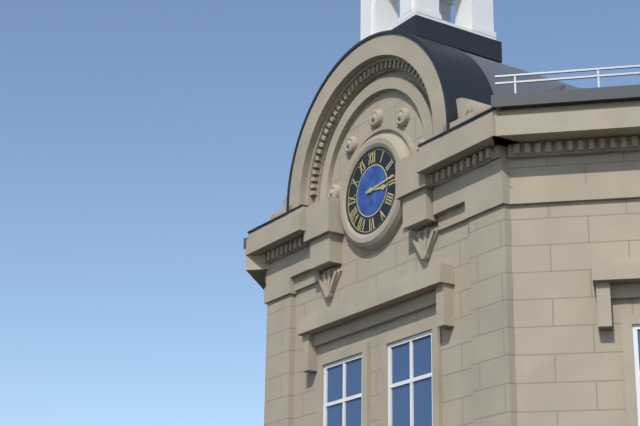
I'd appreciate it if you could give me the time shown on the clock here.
3:14
